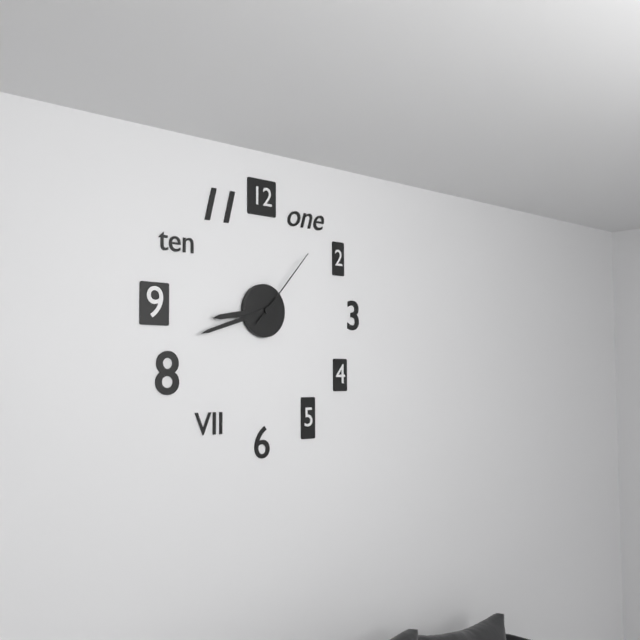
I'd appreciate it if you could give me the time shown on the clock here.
8:42:07
